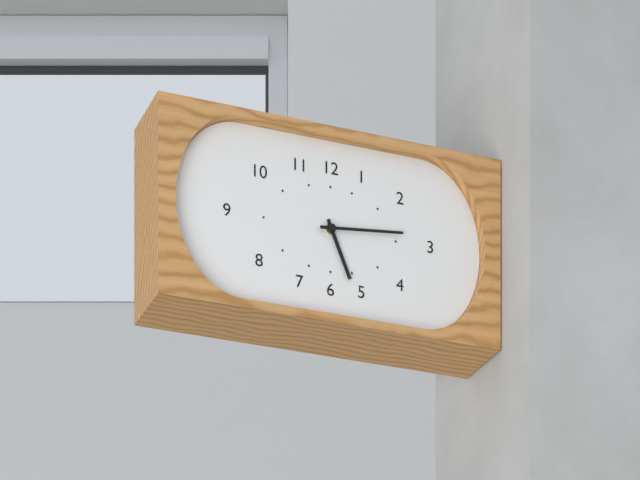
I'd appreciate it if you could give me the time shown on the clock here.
5:14
